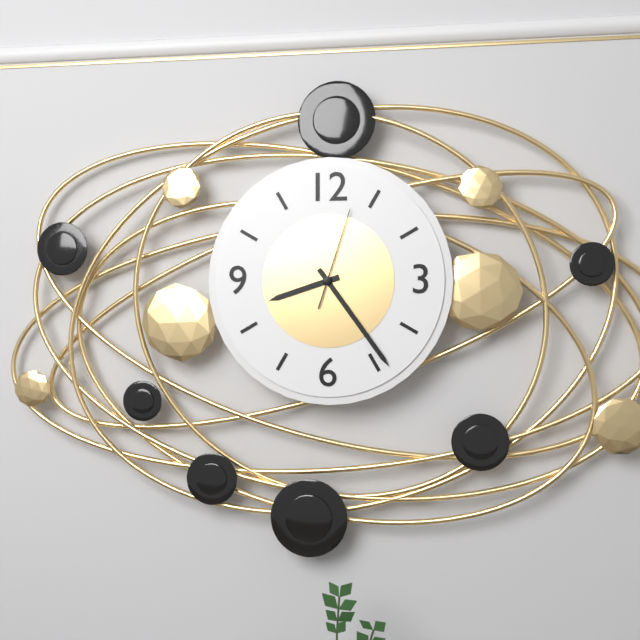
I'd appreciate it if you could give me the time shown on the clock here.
8:24:03
